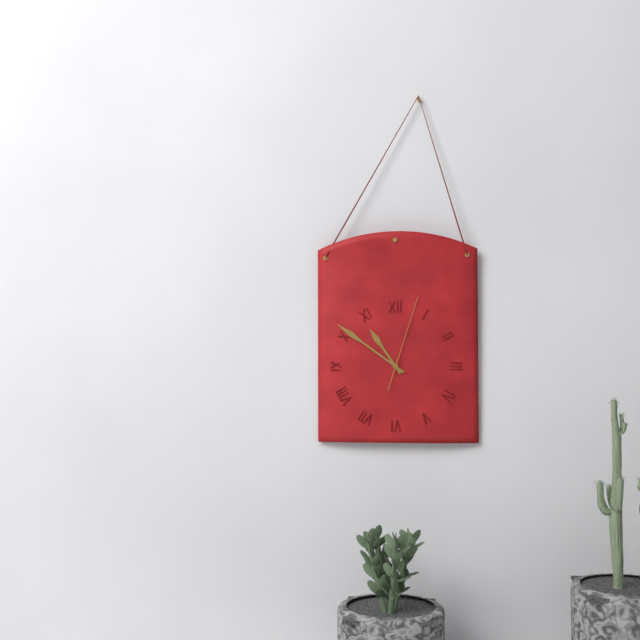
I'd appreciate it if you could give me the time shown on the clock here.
10:51:03
